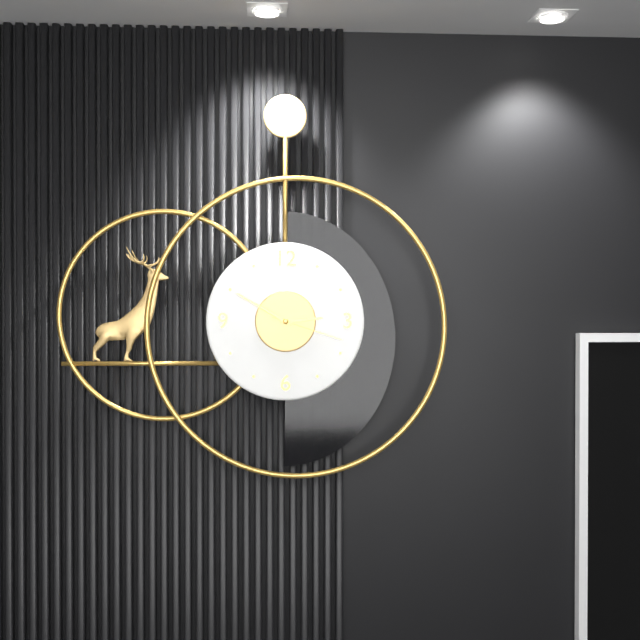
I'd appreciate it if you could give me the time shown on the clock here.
2:50:18
